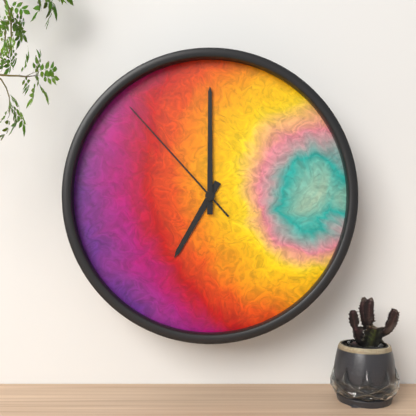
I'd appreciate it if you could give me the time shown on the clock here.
7:00:53
